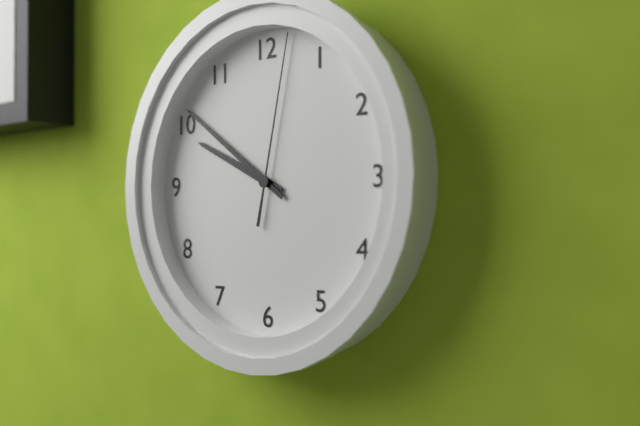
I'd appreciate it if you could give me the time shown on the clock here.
9:51:02
